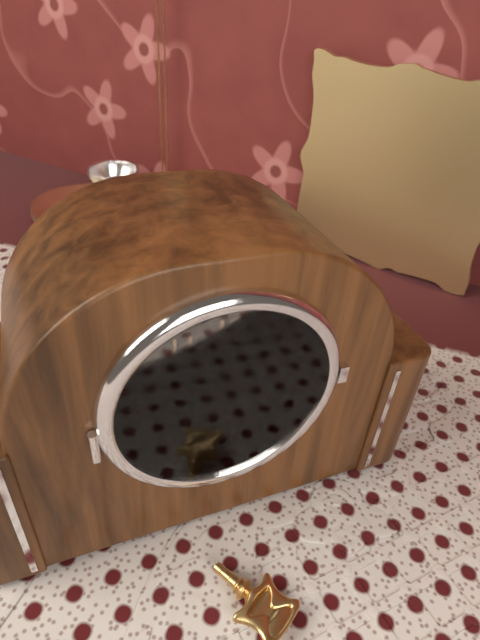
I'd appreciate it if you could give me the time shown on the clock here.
6:51
